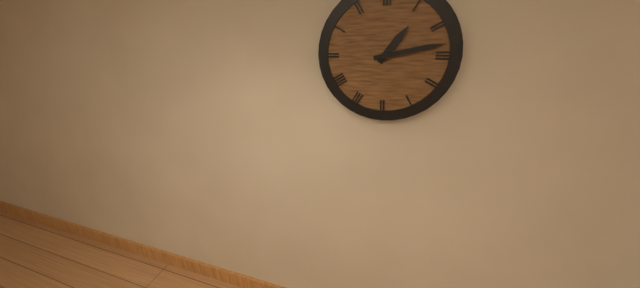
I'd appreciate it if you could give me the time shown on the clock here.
1:13
